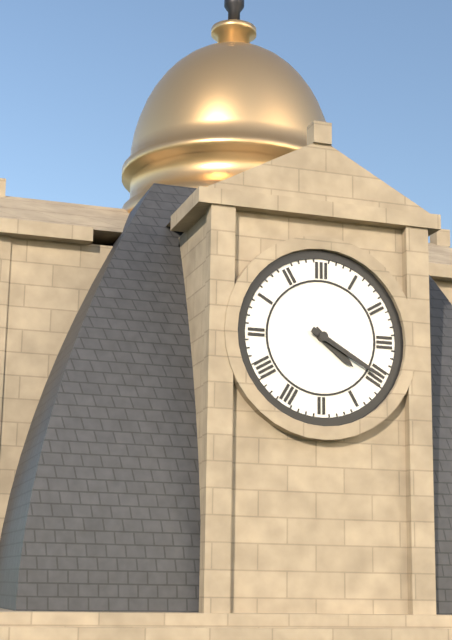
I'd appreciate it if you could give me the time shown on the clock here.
4:20
